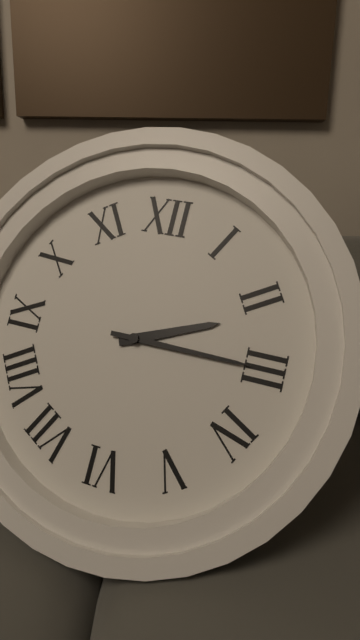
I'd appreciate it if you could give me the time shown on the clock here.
2:15
